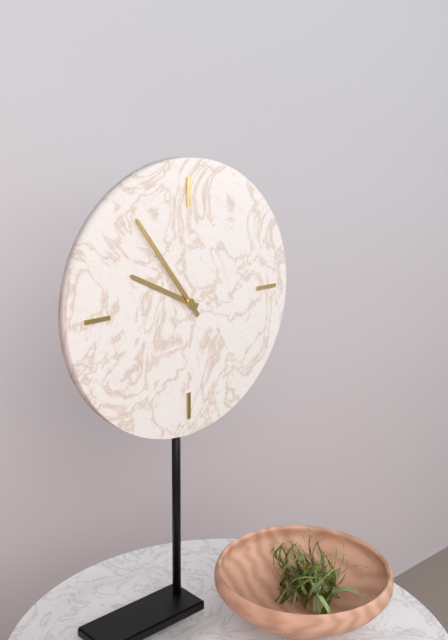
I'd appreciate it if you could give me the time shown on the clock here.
9:54
